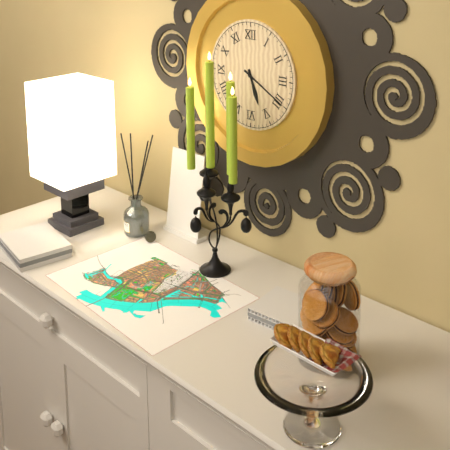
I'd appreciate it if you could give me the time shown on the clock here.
5:20
